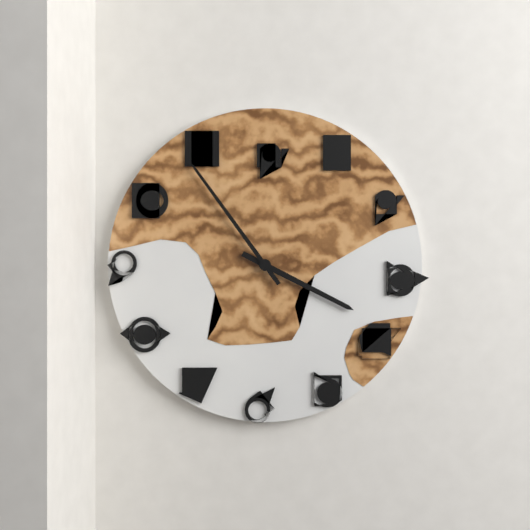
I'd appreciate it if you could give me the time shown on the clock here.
3:54
